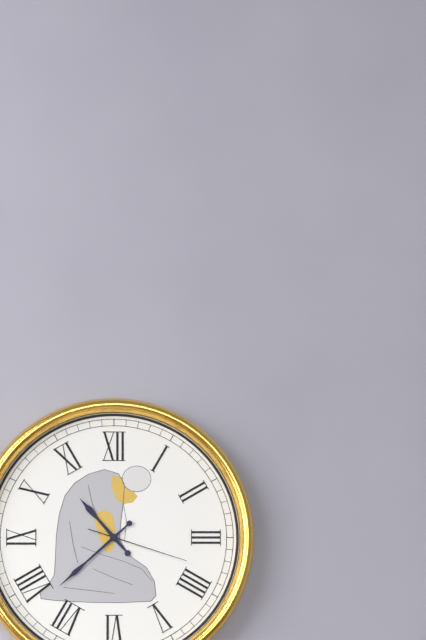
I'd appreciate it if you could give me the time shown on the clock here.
10:38:18
